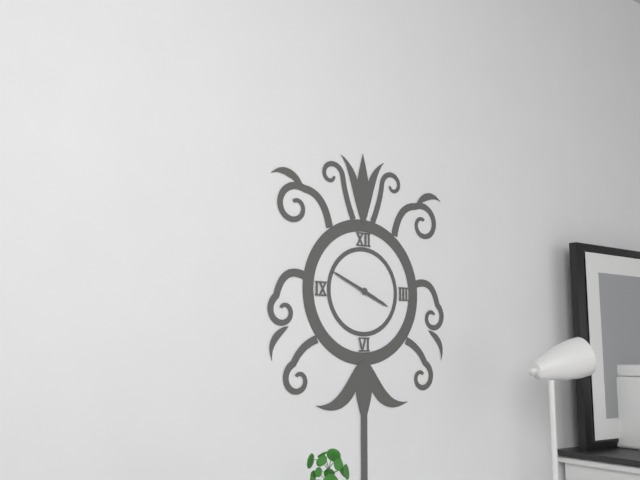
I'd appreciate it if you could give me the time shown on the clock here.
3:49
